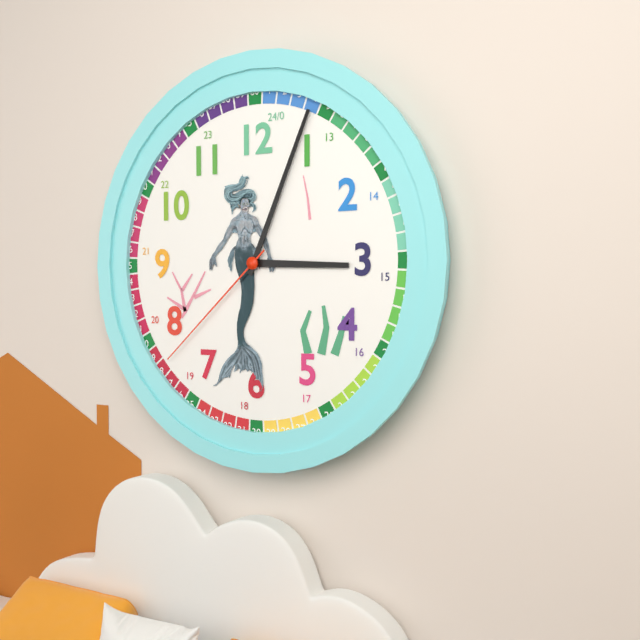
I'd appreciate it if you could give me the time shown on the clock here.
3:04:38
